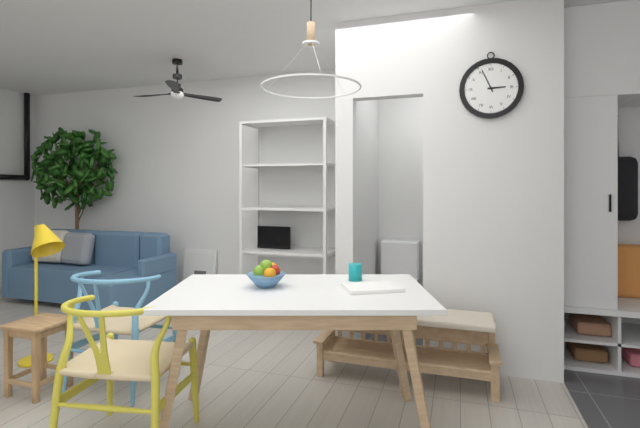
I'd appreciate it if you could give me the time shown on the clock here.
2:56
